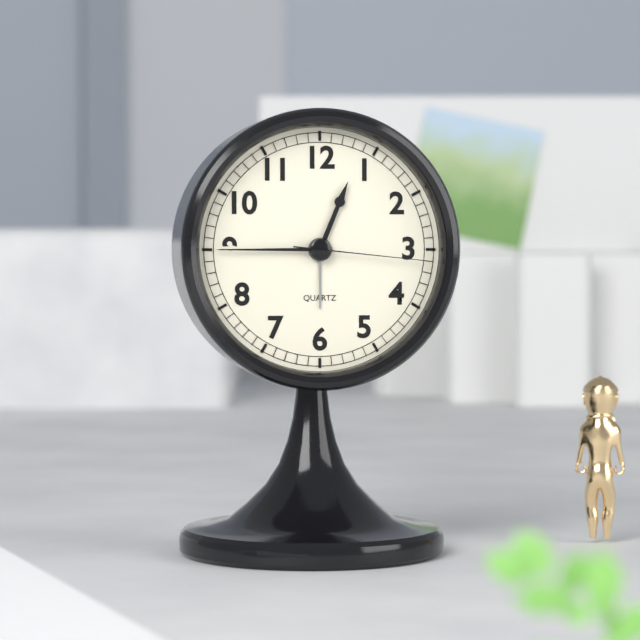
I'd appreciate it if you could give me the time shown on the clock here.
12:45:16
